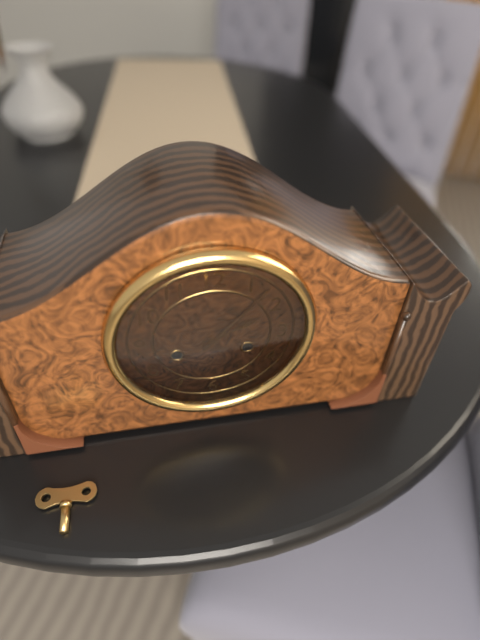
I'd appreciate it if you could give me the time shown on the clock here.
2:07
